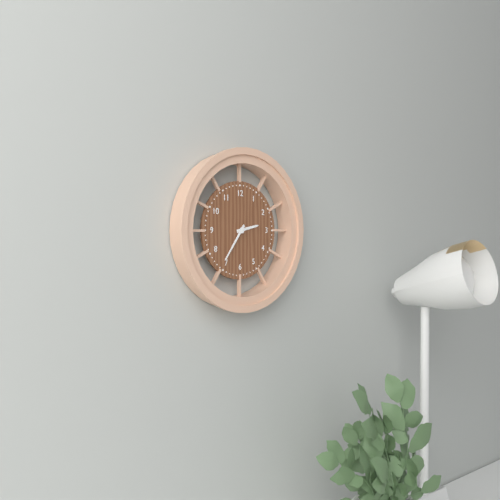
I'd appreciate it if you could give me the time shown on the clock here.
2:36
